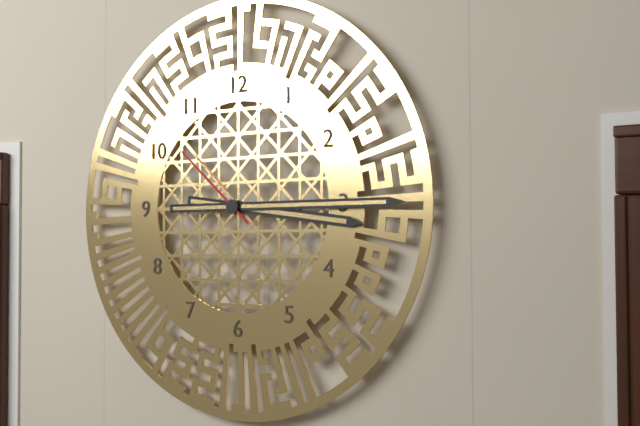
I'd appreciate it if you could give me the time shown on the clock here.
3:15:52
